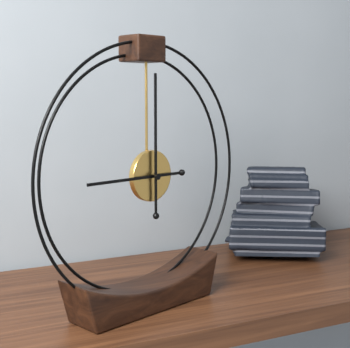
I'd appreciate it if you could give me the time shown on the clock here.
9:00
